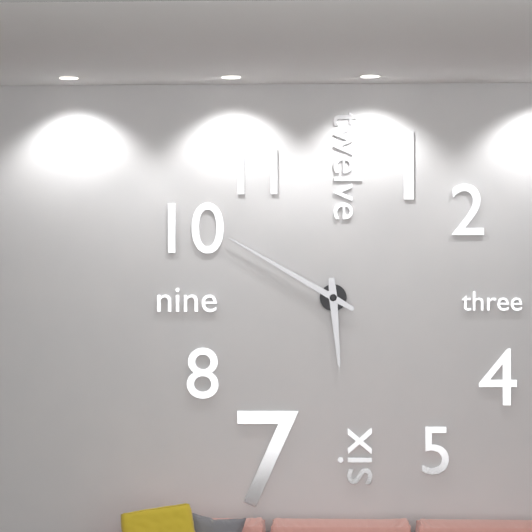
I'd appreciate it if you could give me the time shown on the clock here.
5:50
